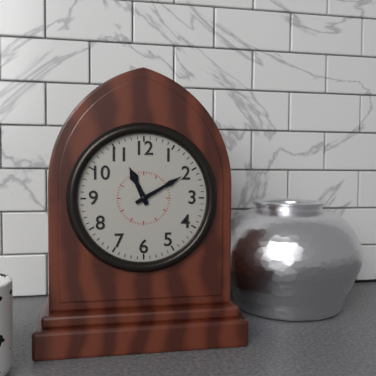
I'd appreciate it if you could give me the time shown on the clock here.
11:10
